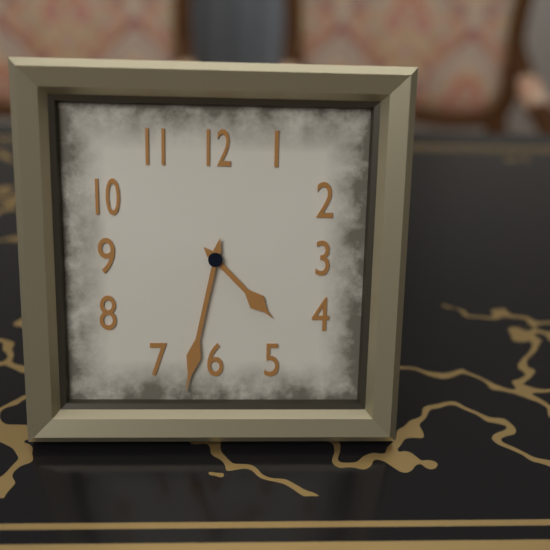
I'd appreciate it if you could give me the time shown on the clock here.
4:32
